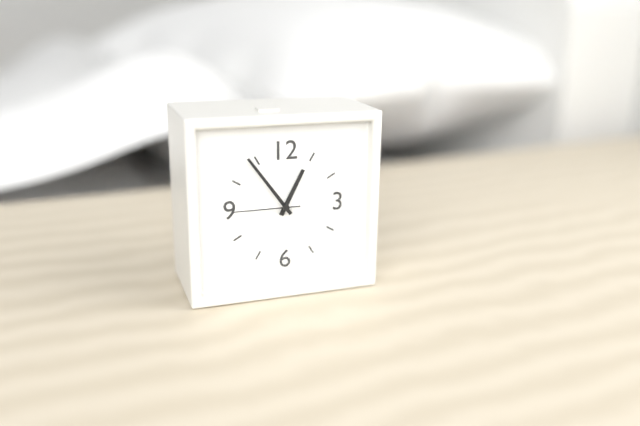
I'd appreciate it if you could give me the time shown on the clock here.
12:54:45
